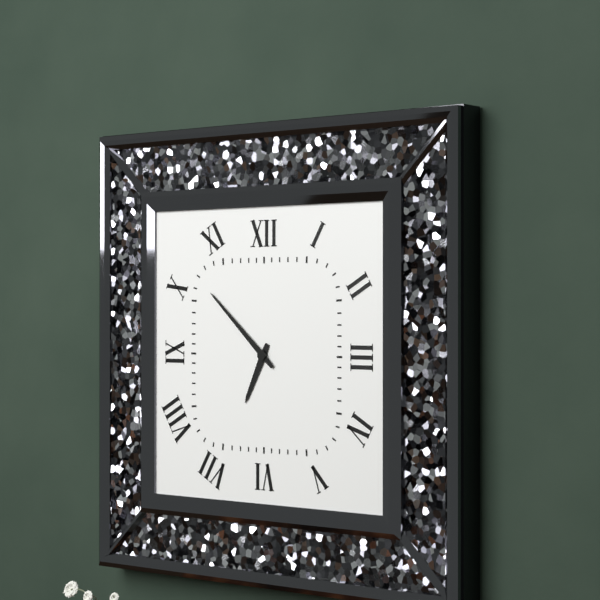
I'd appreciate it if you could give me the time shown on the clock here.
6:52
